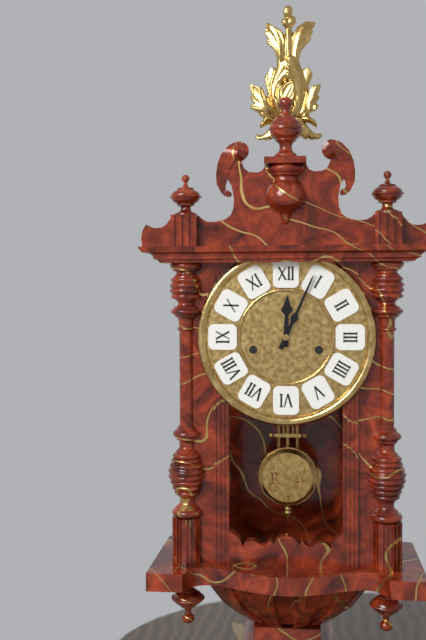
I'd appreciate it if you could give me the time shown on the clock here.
12:04
